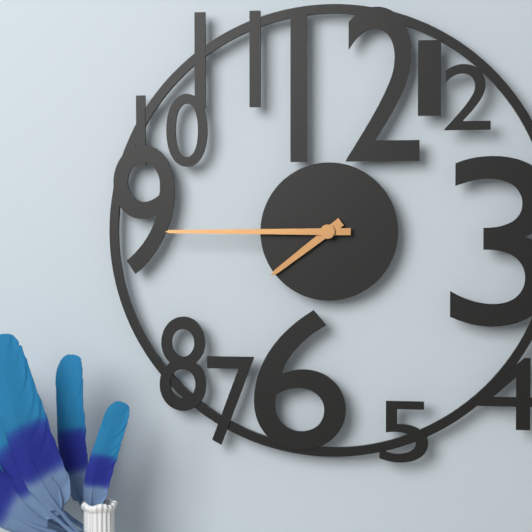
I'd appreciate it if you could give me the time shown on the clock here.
7:45
